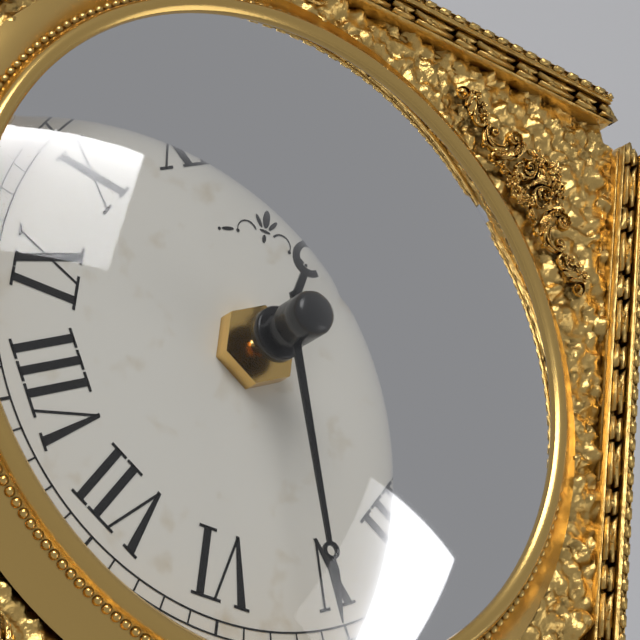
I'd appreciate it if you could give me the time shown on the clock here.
12:27
